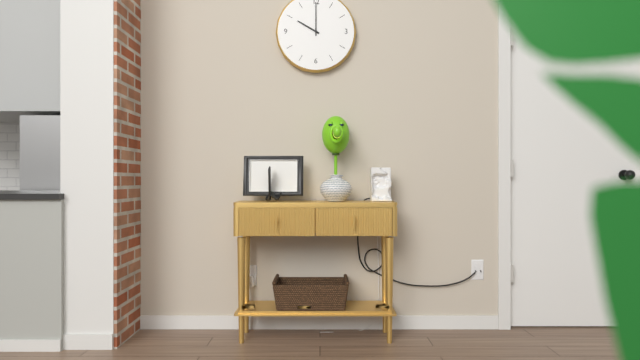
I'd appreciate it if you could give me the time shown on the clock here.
10:00
